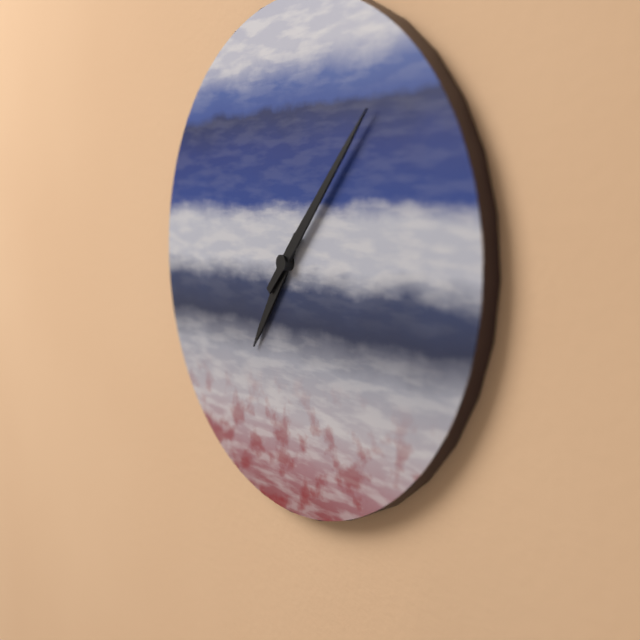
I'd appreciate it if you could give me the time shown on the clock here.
7:07
